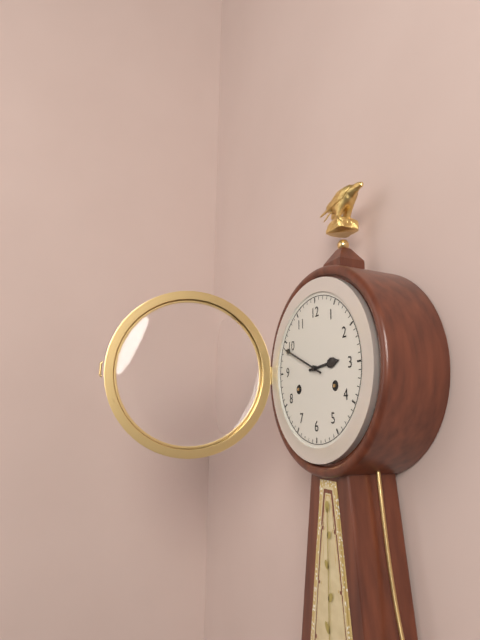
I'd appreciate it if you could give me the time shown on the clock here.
2:49
